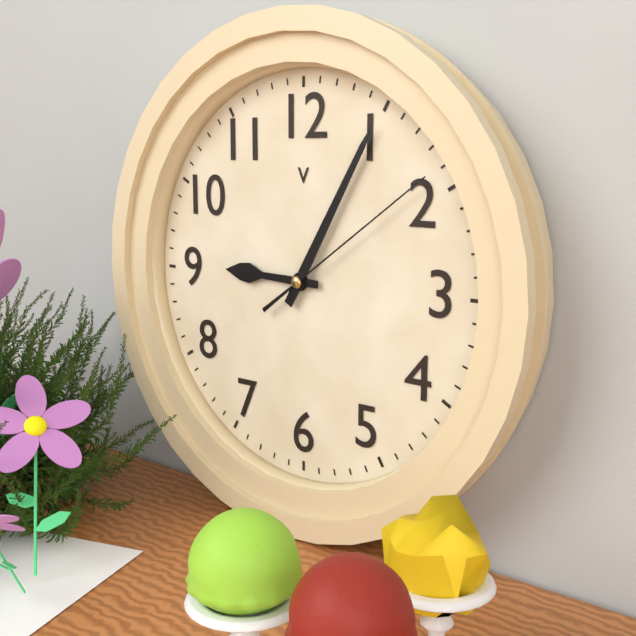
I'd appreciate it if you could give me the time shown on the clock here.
9:05:09
